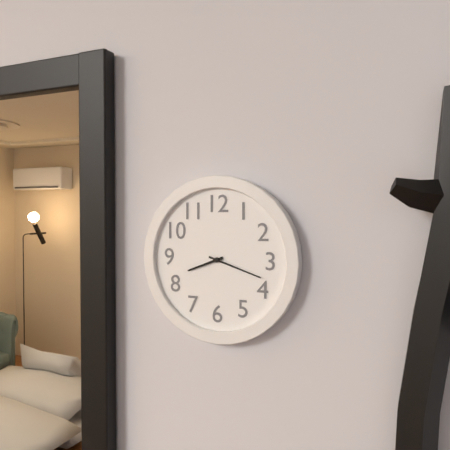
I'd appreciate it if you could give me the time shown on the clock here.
8:18
